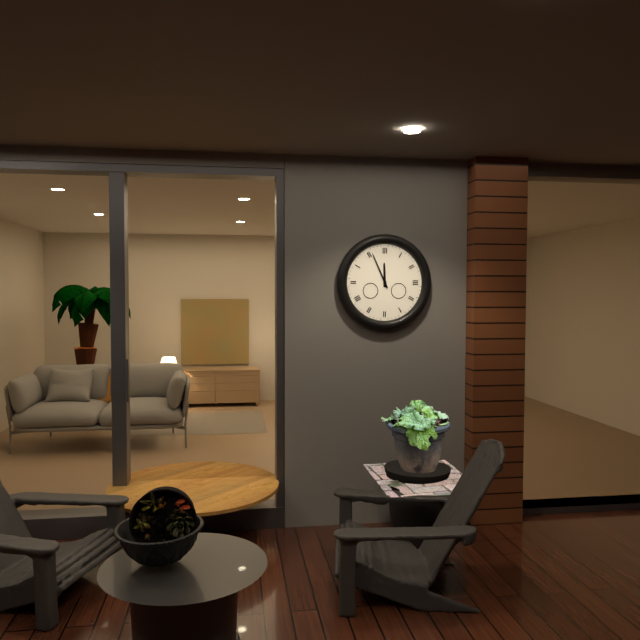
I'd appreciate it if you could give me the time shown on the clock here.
11:56
